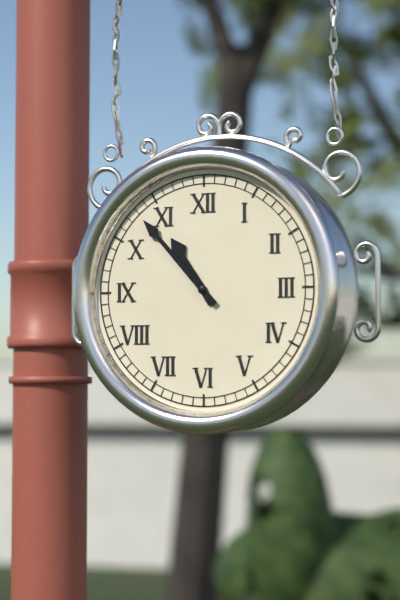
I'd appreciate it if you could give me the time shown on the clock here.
10:53
